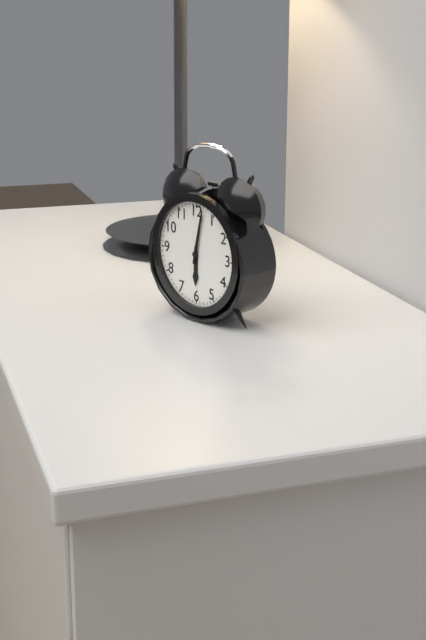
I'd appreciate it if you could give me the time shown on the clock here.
6:02
